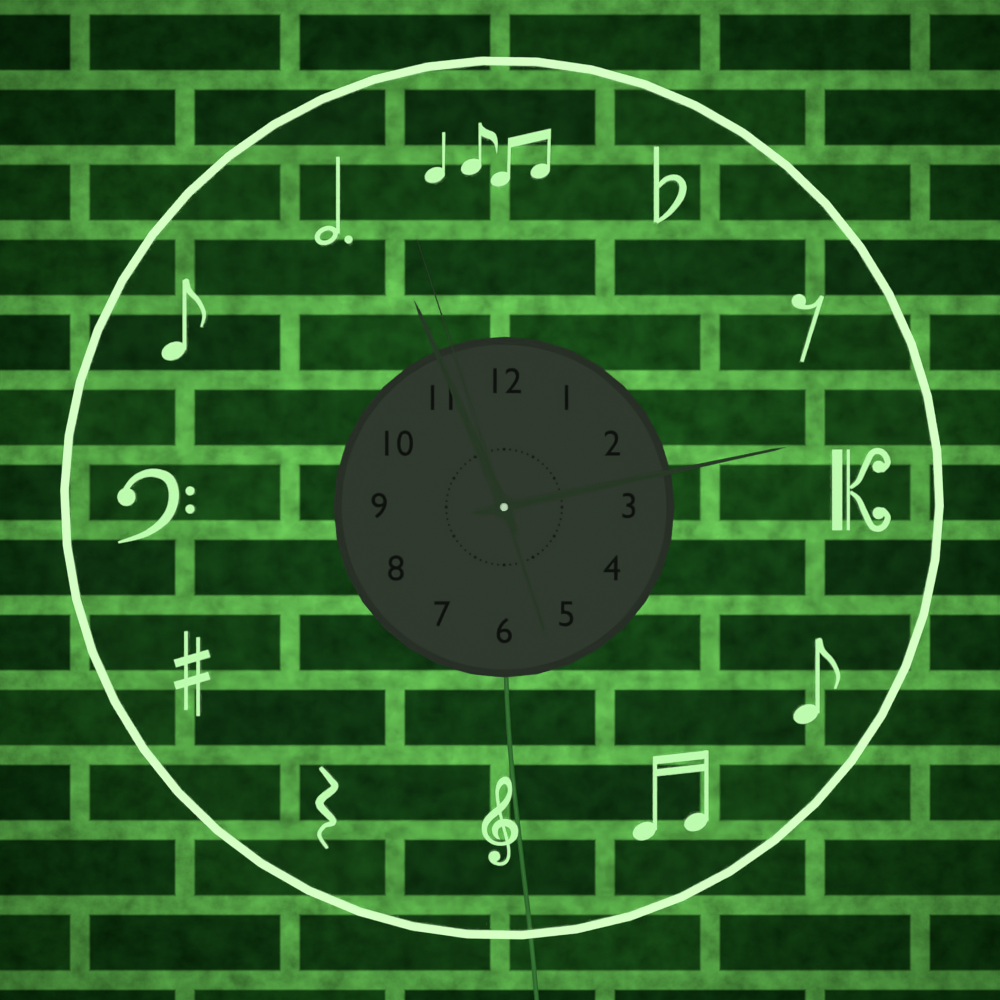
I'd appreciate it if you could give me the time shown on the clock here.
11:13:57
